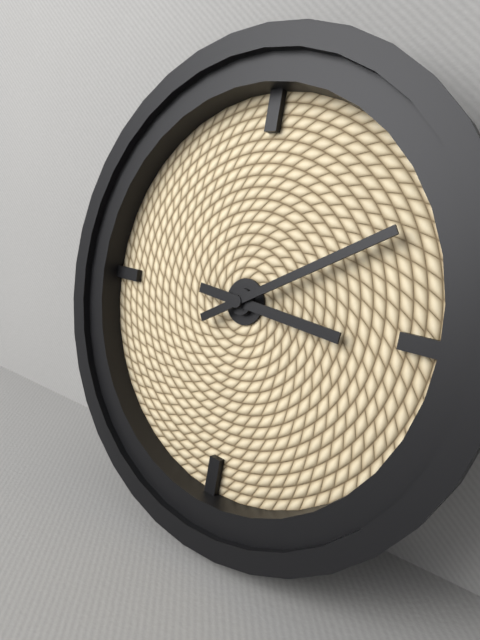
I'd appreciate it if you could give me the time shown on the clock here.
3:10
